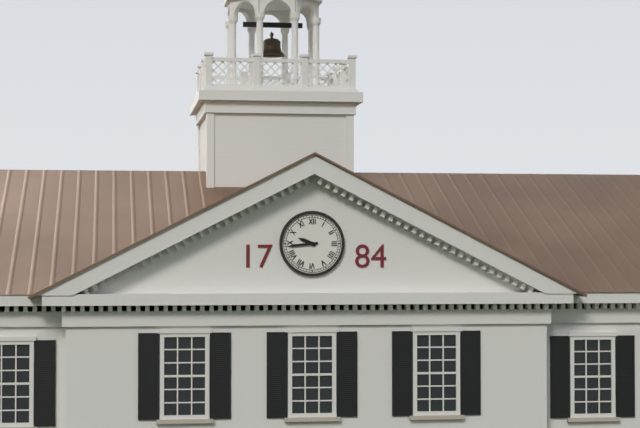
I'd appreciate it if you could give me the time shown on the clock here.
9:44
